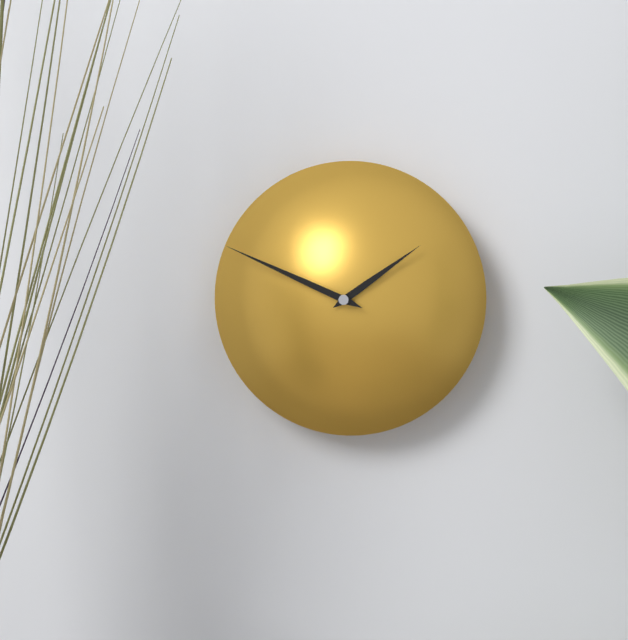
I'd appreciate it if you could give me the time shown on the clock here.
1:49
